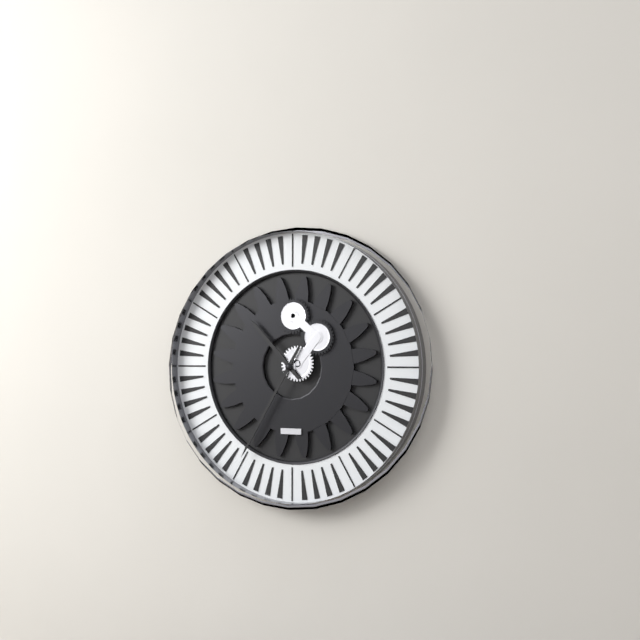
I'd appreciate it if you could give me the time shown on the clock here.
10:35
